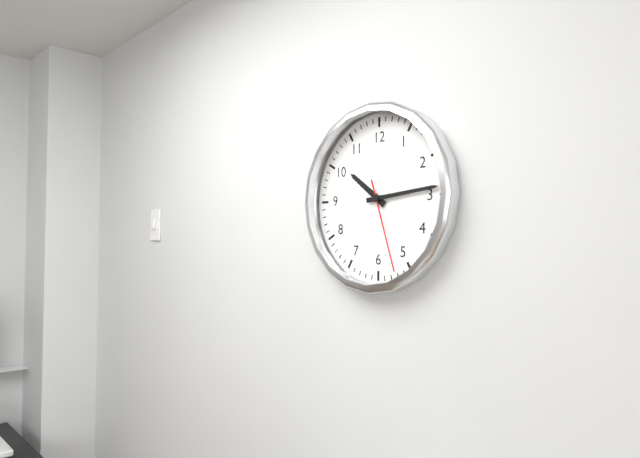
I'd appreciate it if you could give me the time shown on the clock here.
10:14:27
